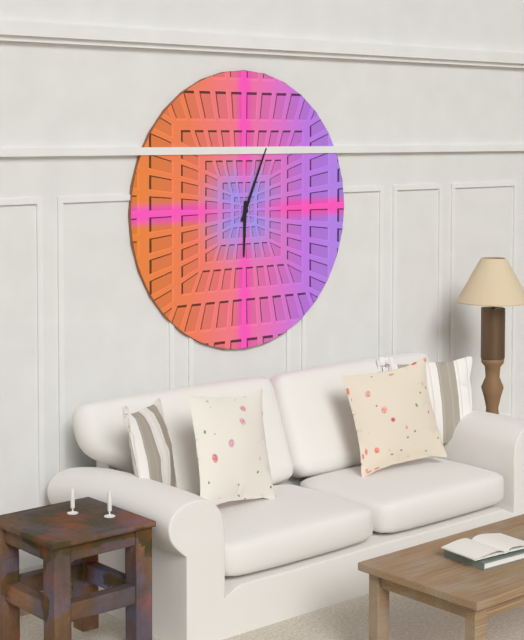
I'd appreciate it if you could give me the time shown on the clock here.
6:04
